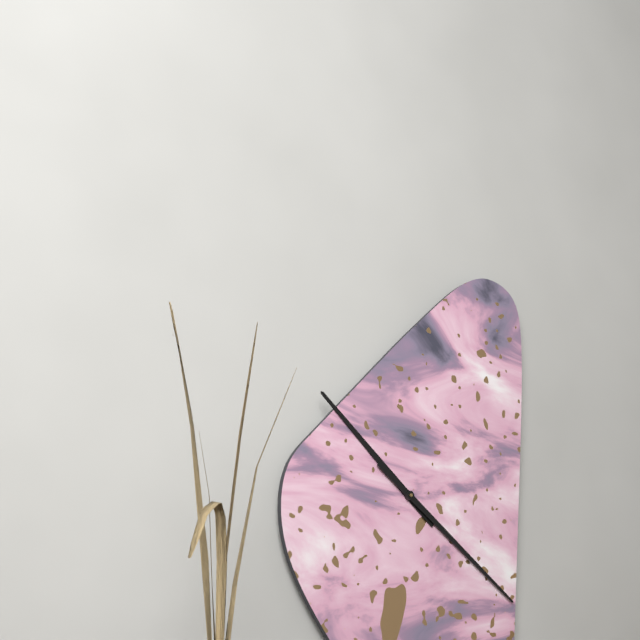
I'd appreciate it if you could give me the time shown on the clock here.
10:21
